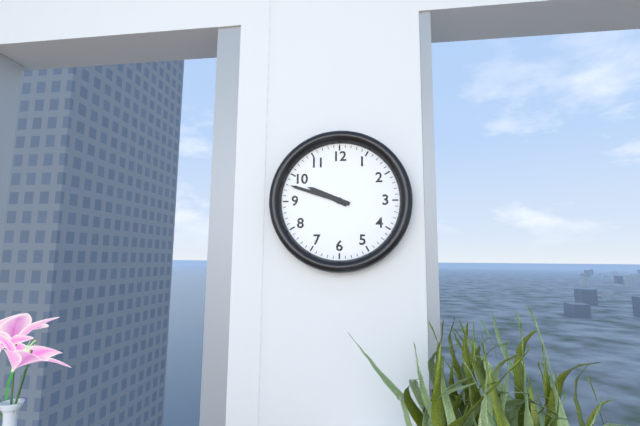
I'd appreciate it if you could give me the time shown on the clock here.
9:48
